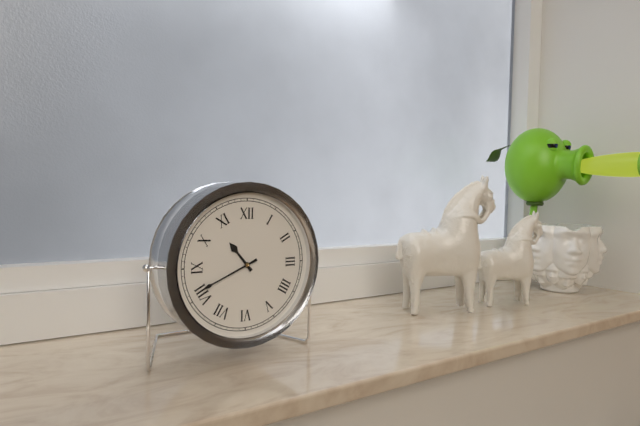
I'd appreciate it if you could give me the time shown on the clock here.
10:41
